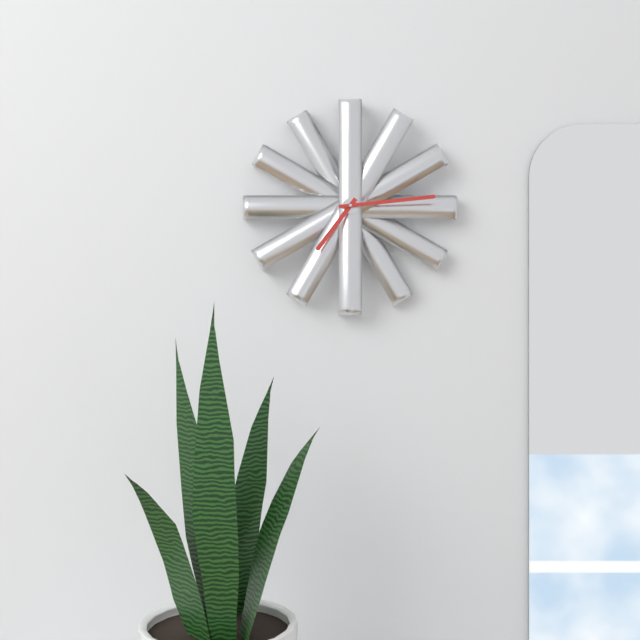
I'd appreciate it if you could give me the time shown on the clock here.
7:14
